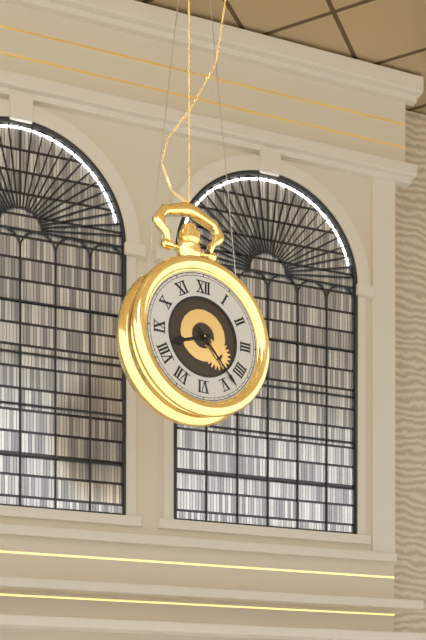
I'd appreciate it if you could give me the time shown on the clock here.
8:23
